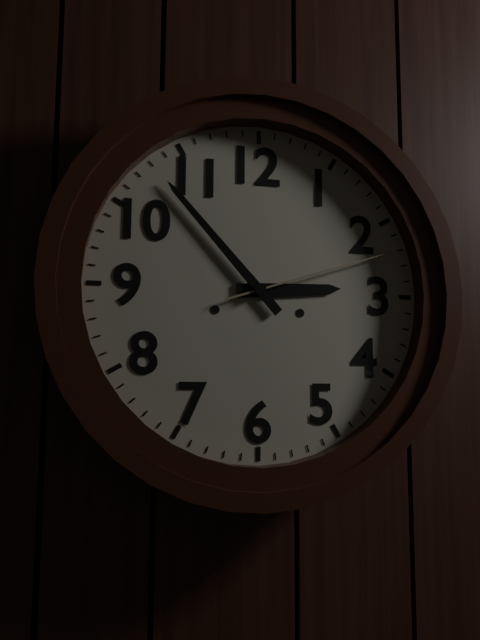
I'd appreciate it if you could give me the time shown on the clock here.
2:53:12
